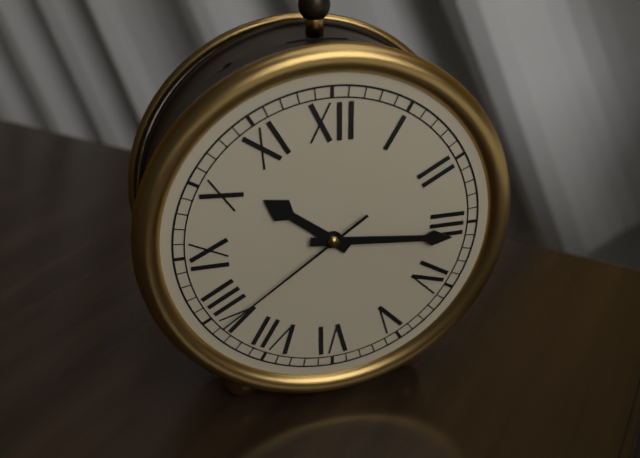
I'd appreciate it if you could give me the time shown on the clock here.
10:16:39
